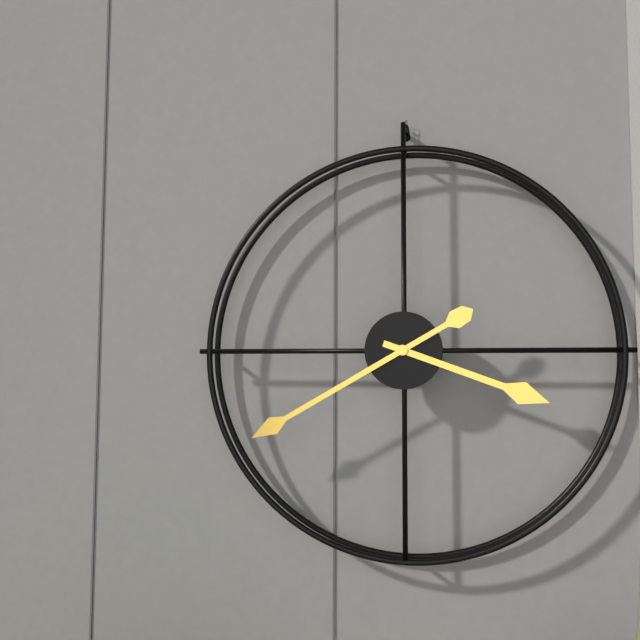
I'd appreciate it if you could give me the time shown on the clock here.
3:40
